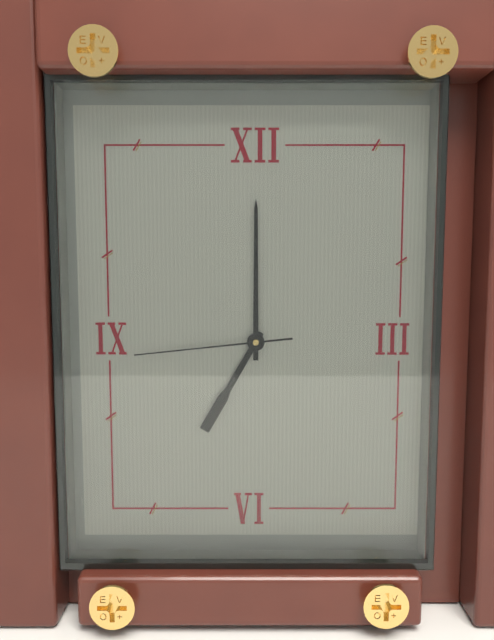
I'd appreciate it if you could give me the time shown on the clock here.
7:00:44
